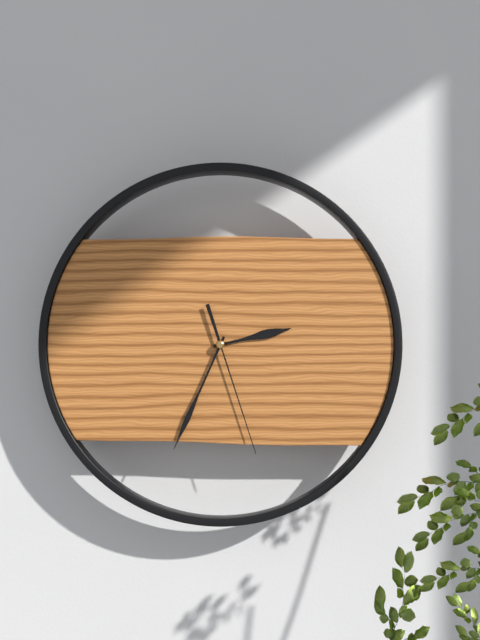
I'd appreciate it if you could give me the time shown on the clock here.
2:34:27
